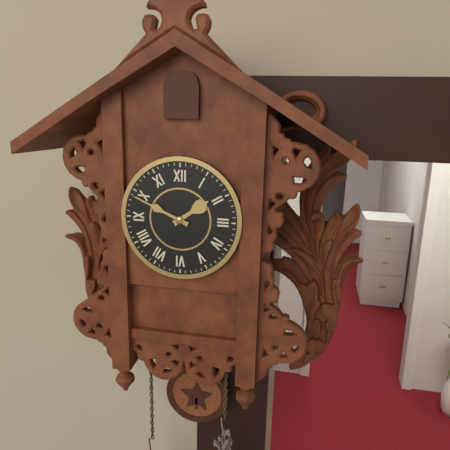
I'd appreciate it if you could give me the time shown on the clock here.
1:49
